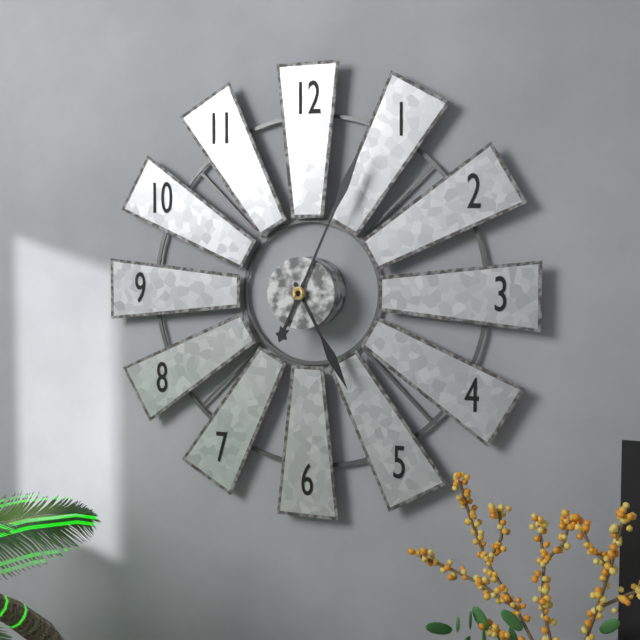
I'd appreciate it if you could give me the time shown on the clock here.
5:04
